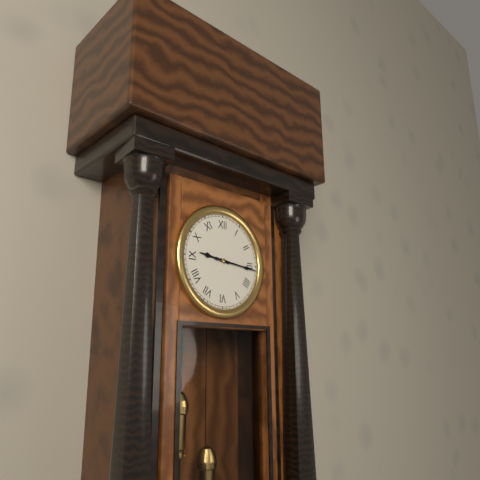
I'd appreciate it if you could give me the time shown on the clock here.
9:16
